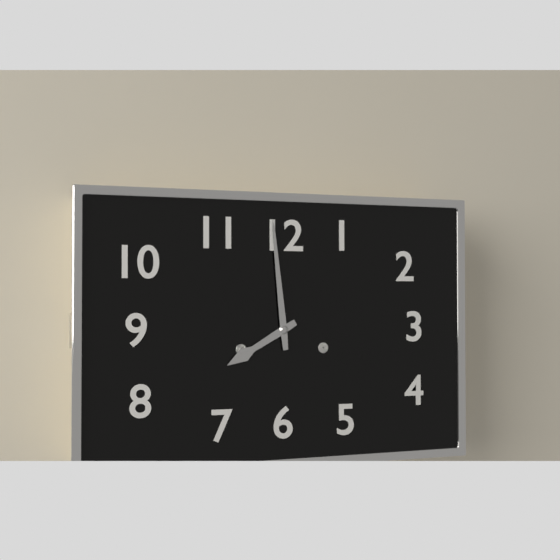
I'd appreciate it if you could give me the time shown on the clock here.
7:59
